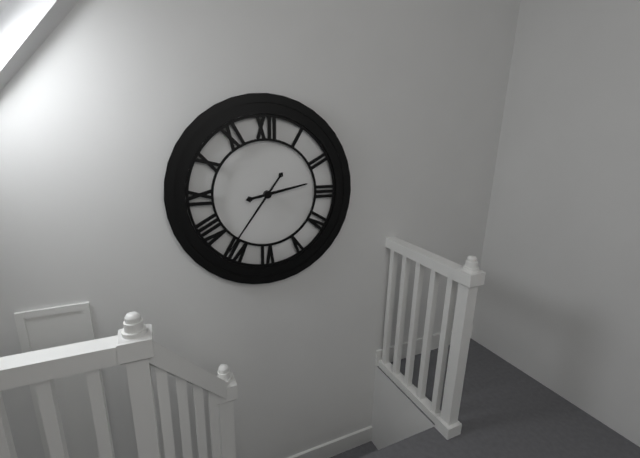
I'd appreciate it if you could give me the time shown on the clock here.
2:36
